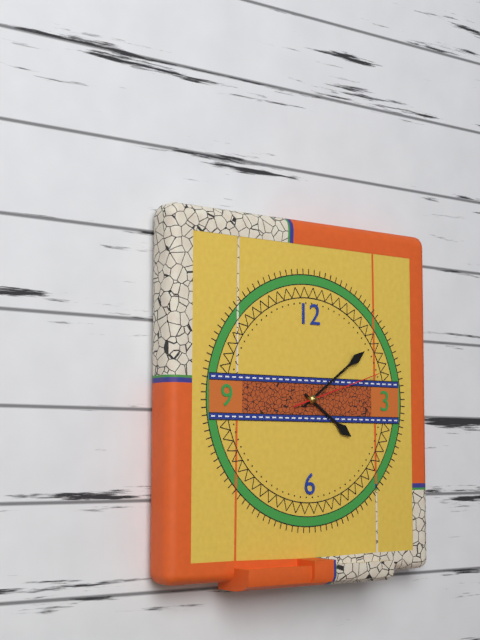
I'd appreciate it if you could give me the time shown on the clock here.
4:09:12
